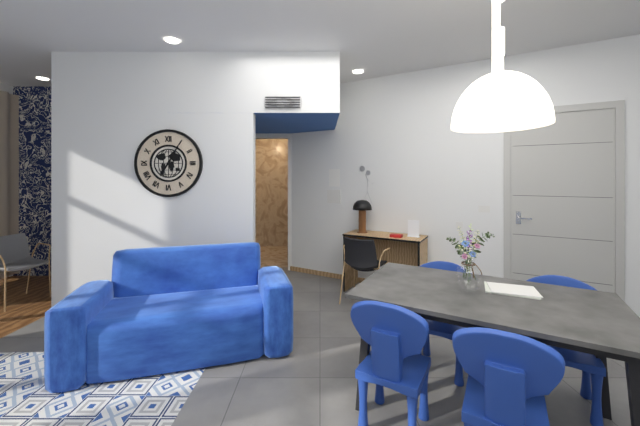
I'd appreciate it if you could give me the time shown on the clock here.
7:05
